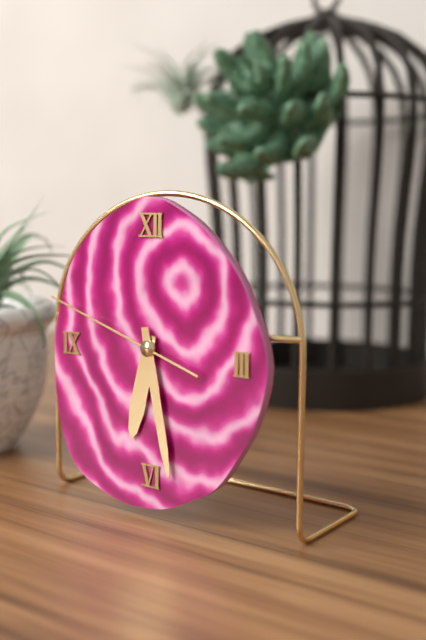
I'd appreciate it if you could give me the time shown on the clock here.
6:28:48
